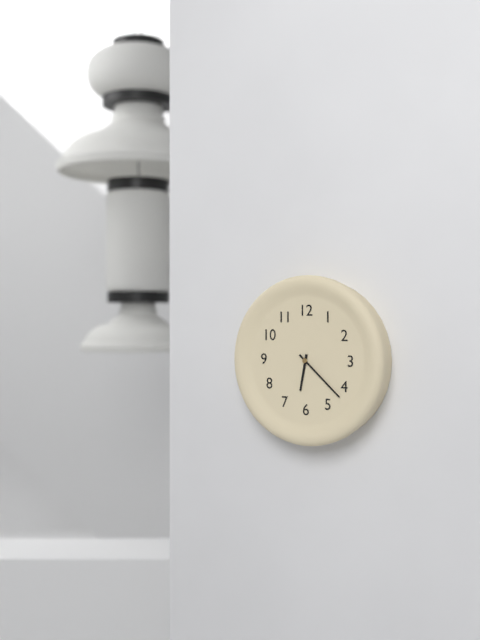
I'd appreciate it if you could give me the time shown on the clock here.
6:22
